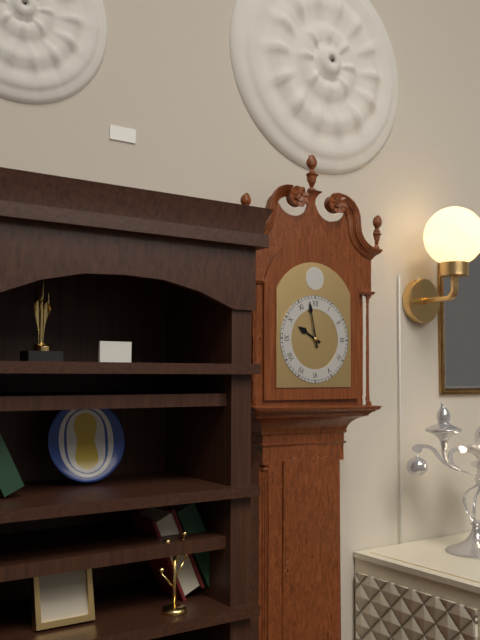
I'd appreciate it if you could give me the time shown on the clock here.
9:58
